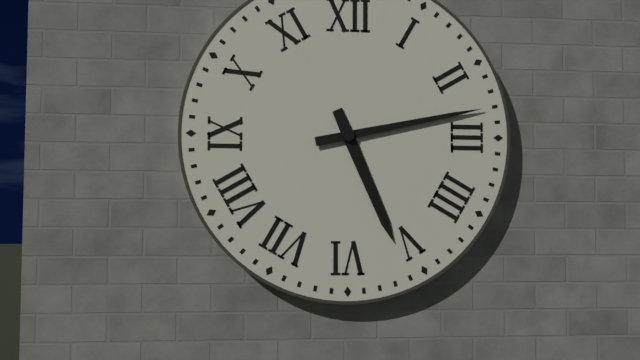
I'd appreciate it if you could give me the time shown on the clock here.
5:13
